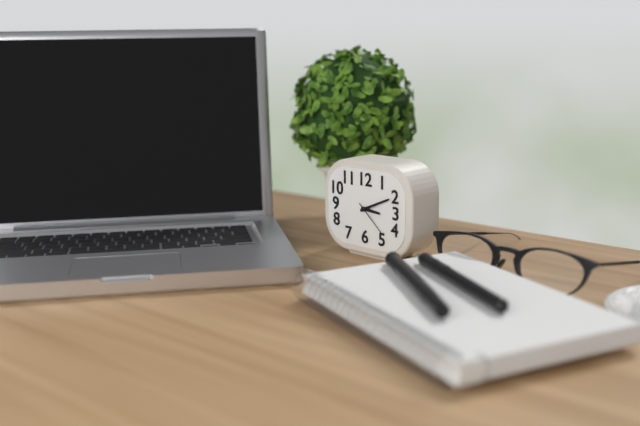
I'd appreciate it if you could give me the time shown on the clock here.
3:11
